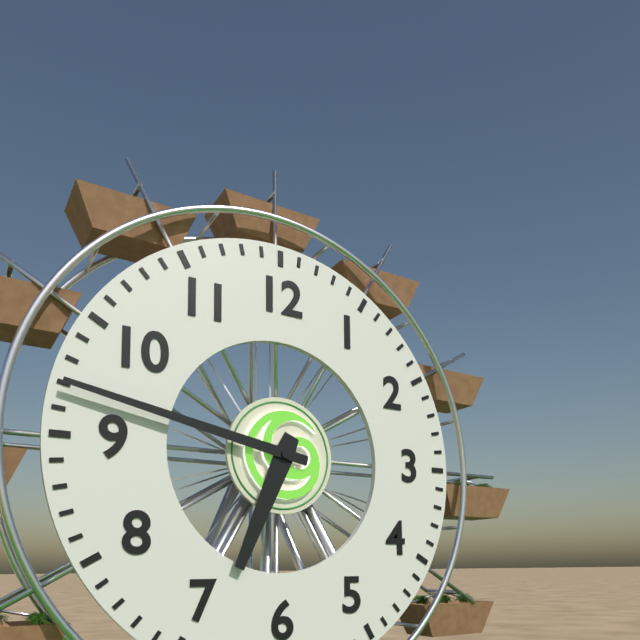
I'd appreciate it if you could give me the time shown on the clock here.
6:47
